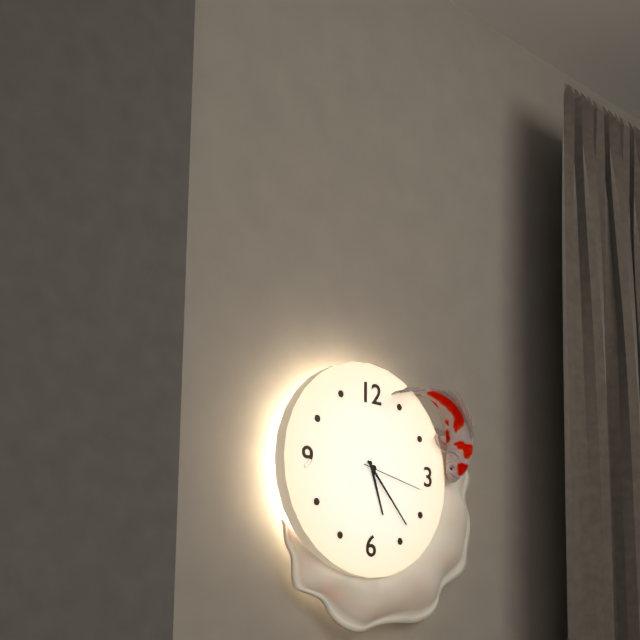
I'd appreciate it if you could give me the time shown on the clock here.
5:23:17
